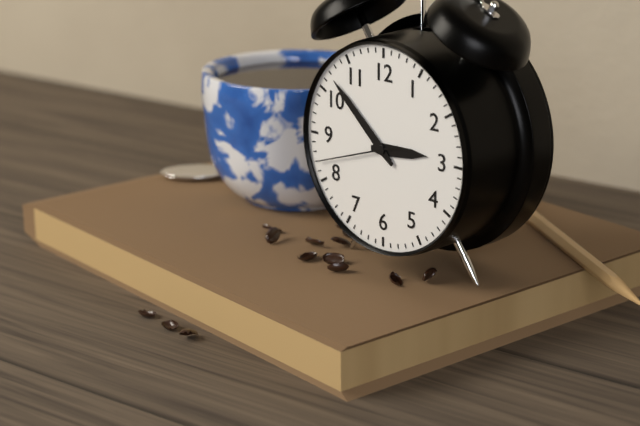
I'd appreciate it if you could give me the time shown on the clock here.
2:52:42
